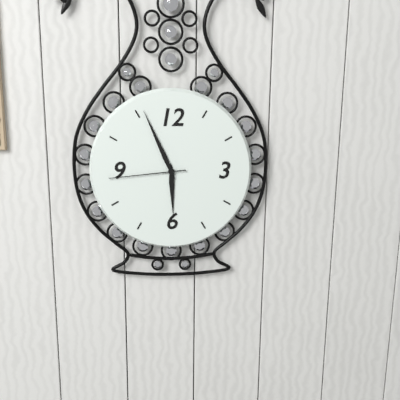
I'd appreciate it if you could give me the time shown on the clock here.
5:56:44
